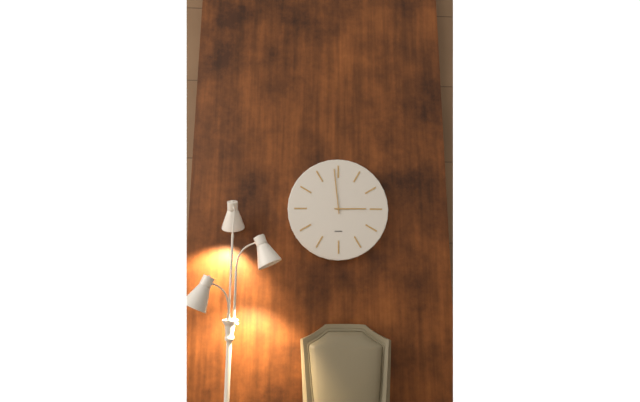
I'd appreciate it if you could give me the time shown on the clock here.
2:59
